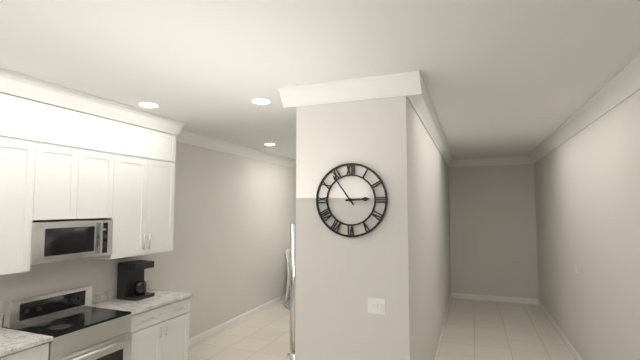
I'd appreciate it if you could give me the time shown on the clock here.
2:54
